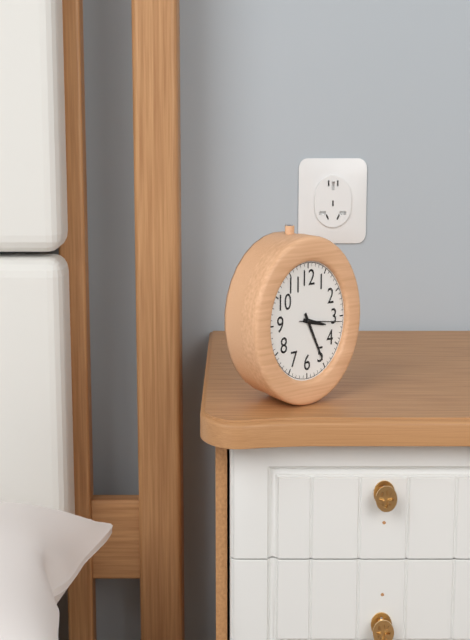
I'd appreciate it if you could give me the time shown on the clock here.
3:25
